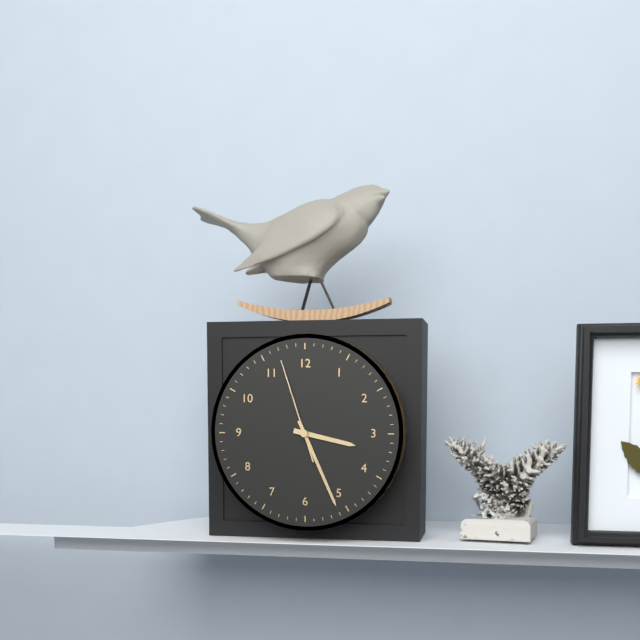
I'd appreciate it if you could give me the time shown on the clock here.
3:26:57
